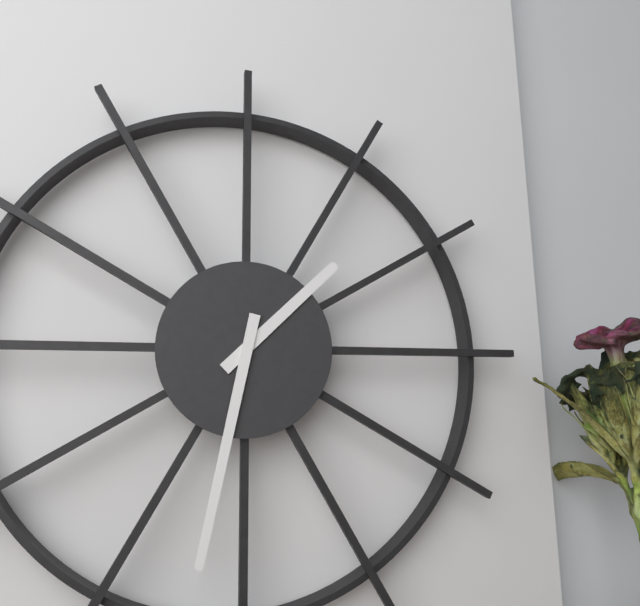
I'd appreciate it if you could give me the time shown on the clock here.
1:32
